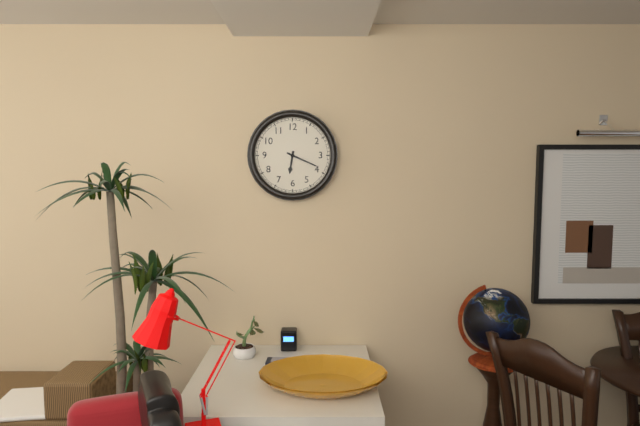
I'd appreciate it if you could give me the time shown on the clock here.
6:19
